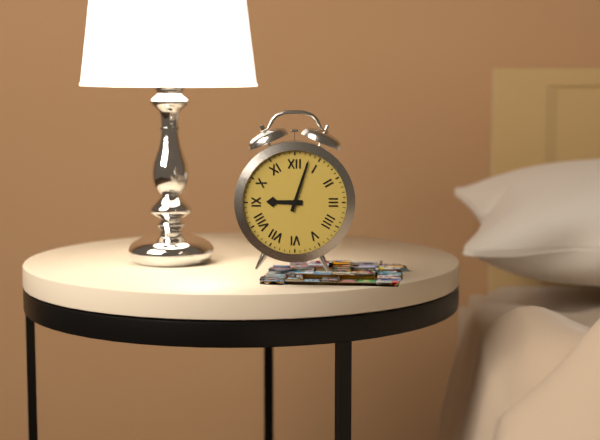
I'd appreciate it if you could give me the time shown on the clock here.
9:03
